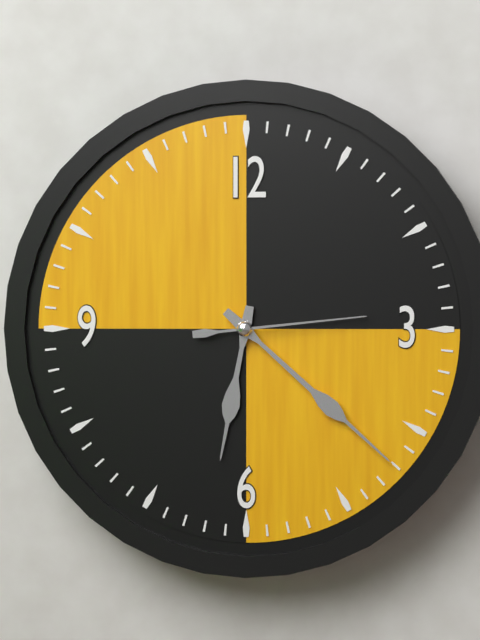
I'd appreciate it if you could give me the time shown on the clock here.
6:22:14
